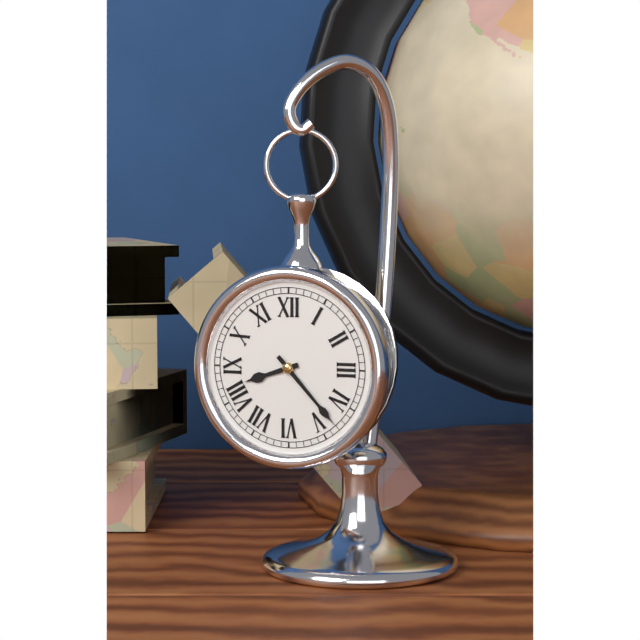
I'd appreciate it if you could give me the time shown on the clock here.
8:23
